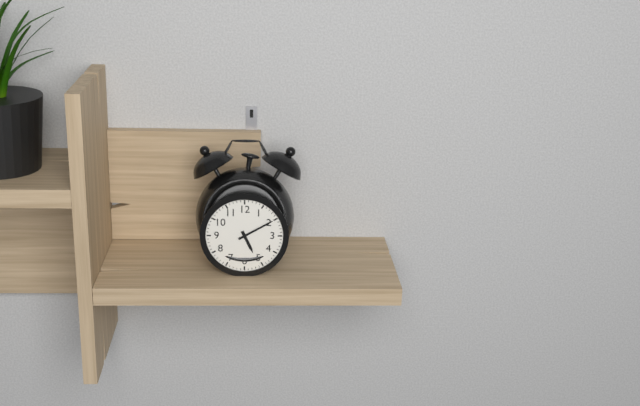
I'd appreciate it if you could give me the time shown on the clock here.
5:10
